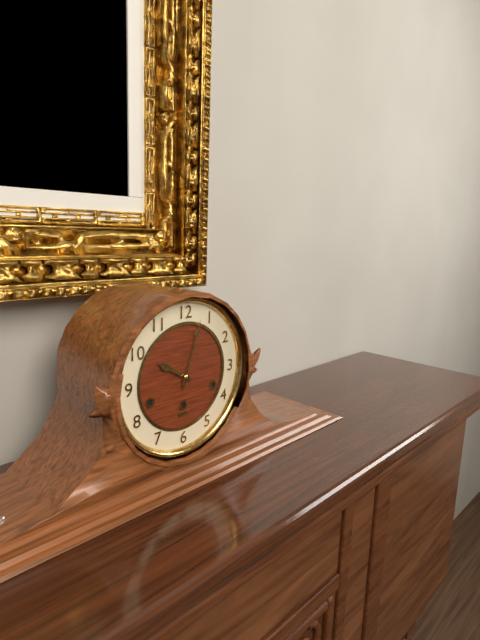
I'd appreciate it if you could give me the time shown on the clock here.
10:03
